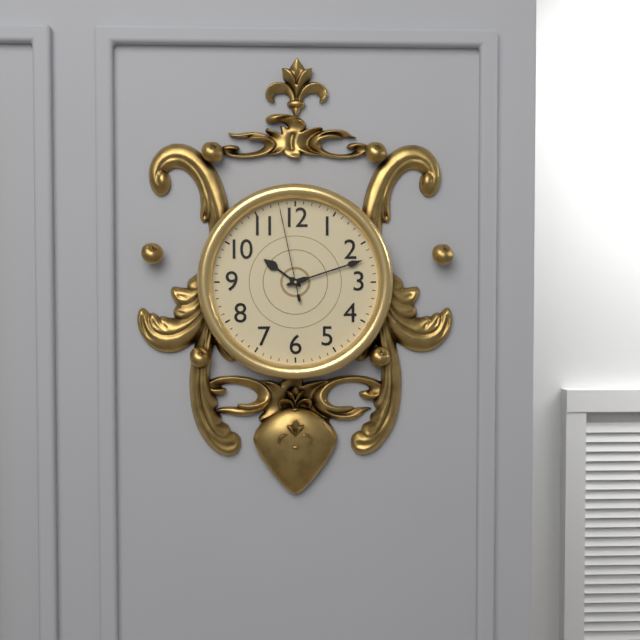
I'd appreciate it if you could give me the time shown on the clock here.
10:12:58
